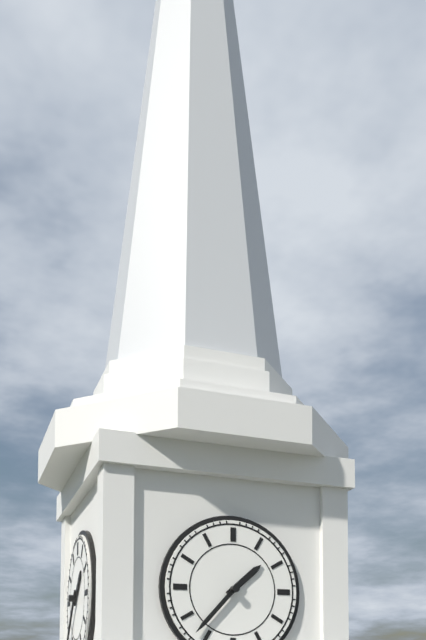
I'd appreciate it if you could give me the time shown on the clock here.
1:37
